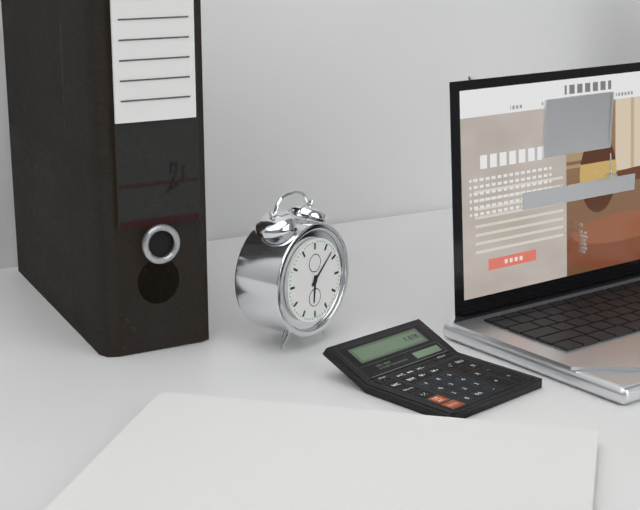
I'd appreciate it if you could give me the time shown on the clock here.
6:08
